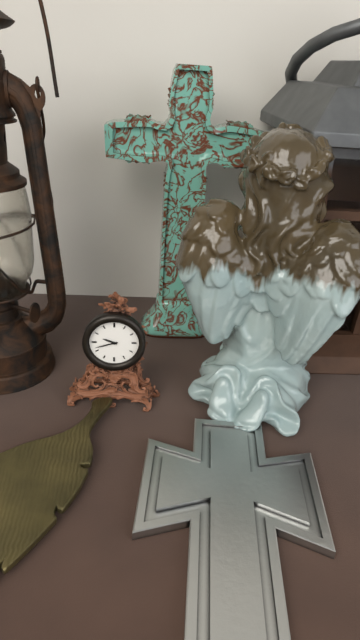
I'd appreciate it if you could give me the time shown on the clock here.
9:42
